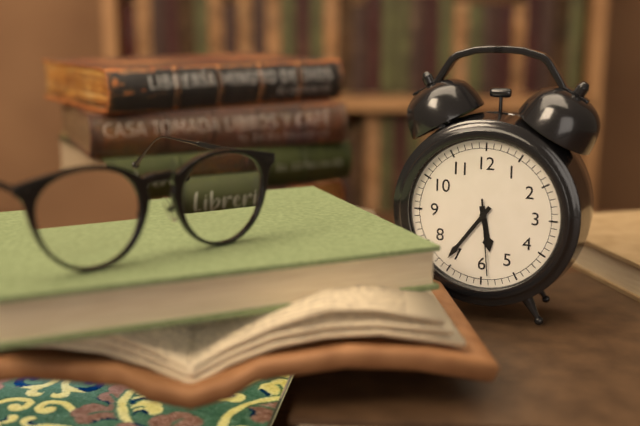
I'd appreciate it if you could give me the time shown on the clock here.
5:36:29
